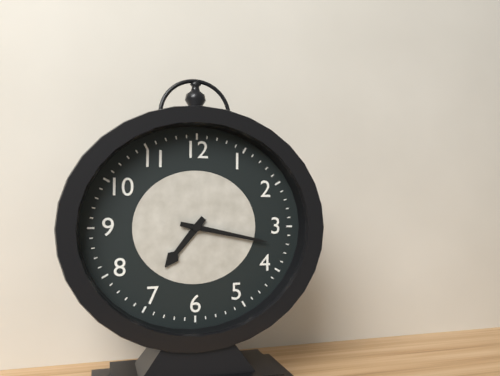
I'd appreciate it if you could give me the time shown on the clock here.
7:17
